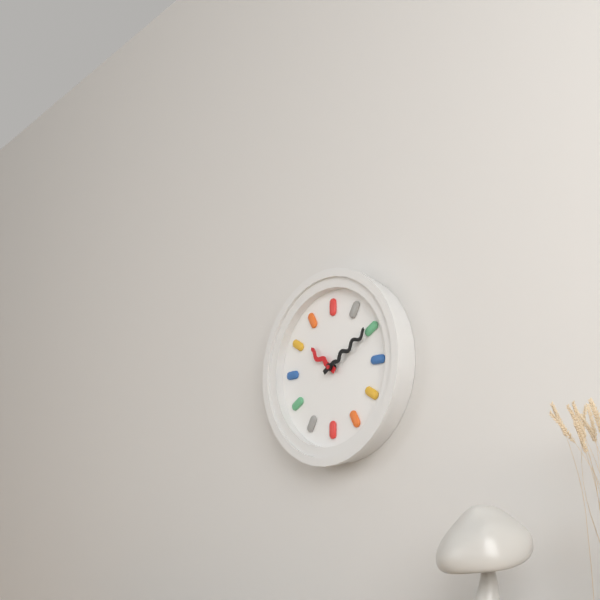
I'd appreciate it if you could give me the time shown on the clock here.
10:10
